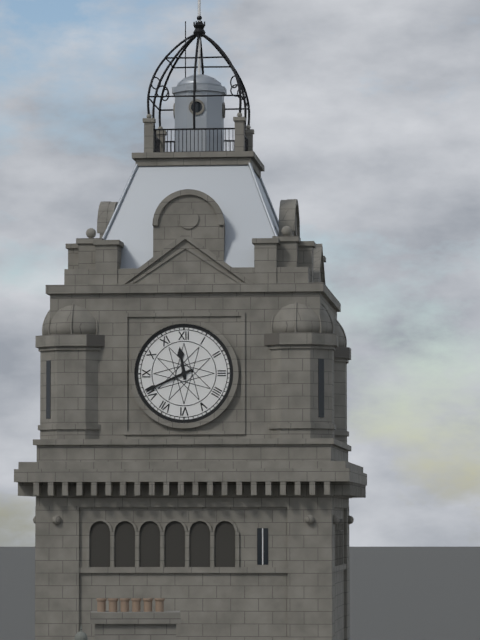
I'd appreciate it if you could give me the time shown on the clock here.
11:41
